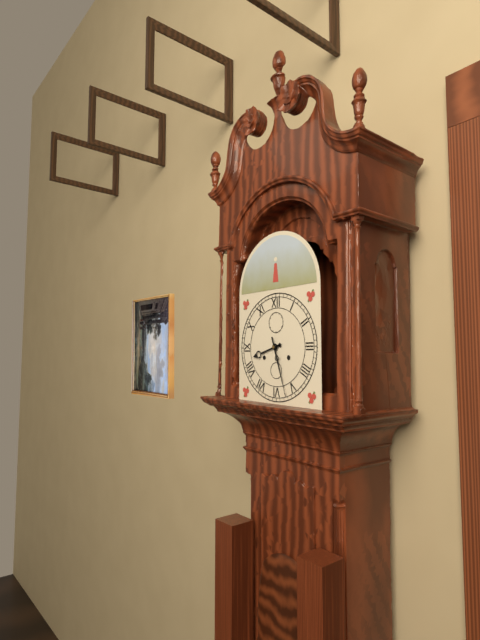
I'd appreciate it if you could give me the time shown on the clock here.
8:27
